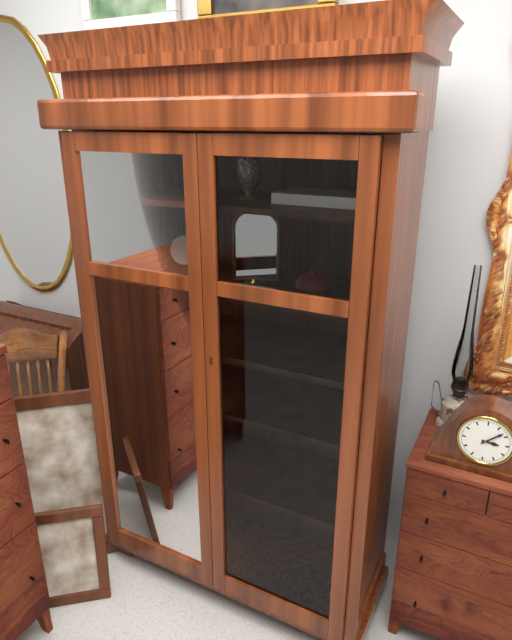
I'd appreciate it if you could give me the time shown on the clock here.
3:08
